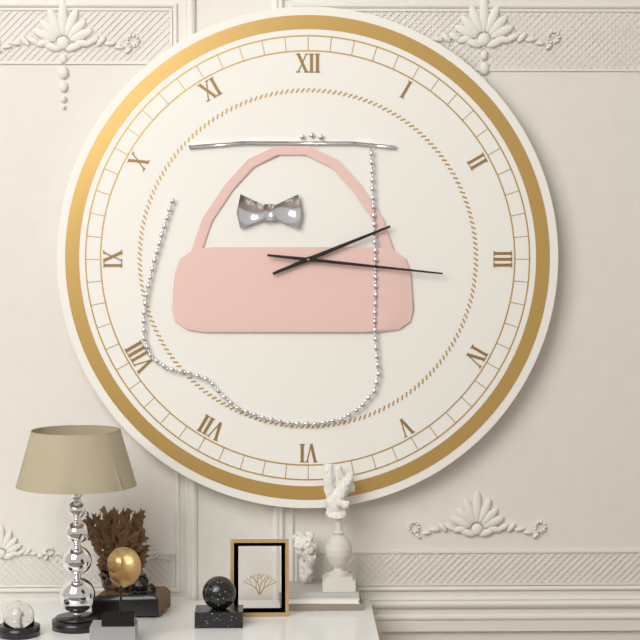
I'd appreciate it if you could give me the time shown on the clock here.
2:16
